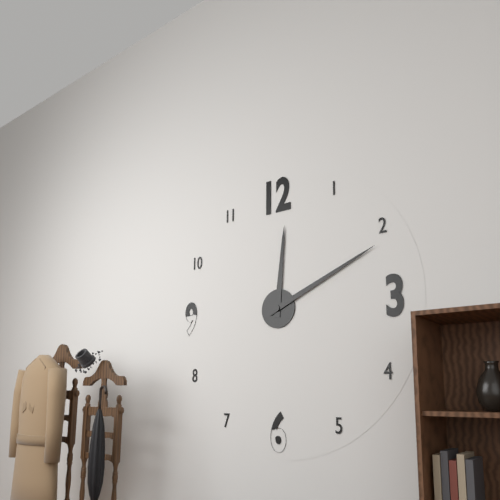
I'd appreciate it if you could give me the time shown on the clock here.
12:11
